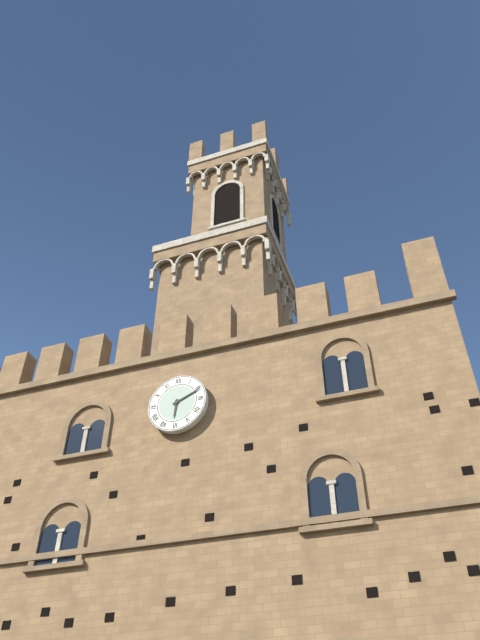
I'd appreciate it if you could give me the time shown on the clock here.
6:11
